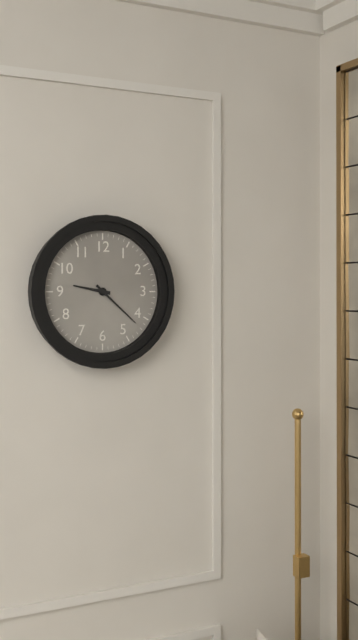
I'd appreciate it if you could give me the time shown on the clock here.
9:22
